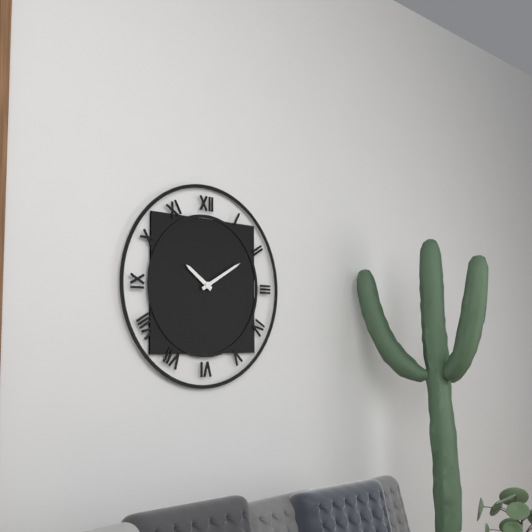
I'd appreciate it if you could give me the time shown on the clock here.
10:10
